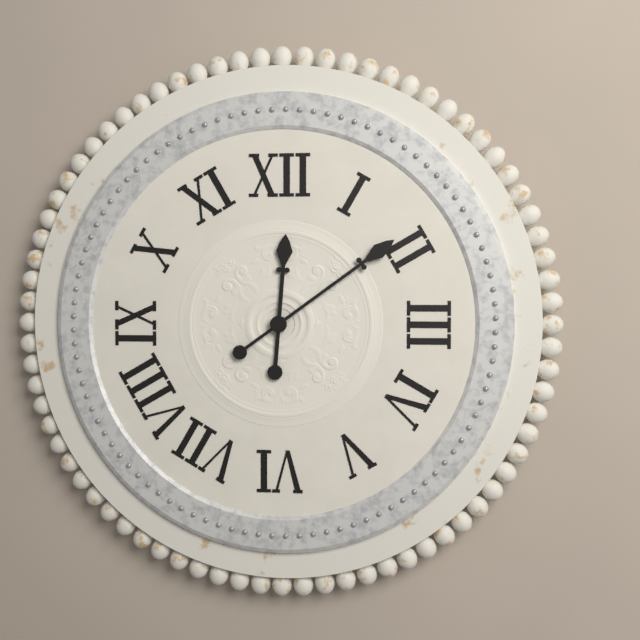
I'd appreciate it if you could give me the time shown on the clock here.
12:09
